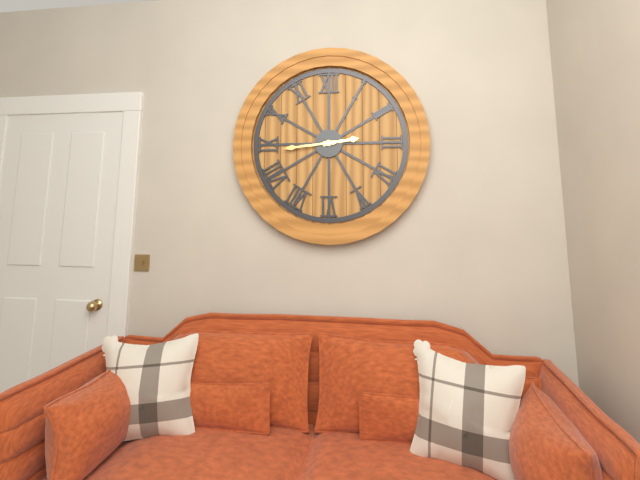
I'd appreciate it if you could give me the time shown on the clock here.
2:44
